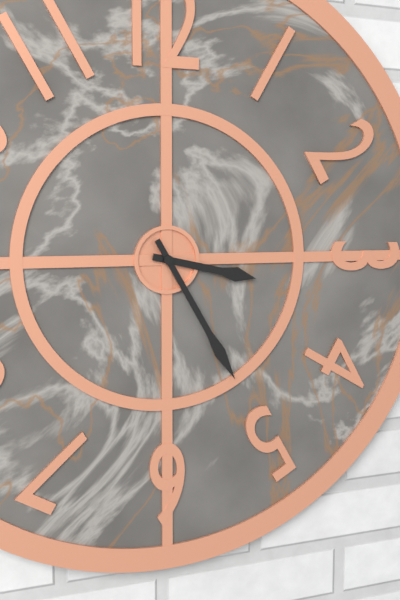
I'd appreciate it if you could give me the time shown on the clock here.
3:25
